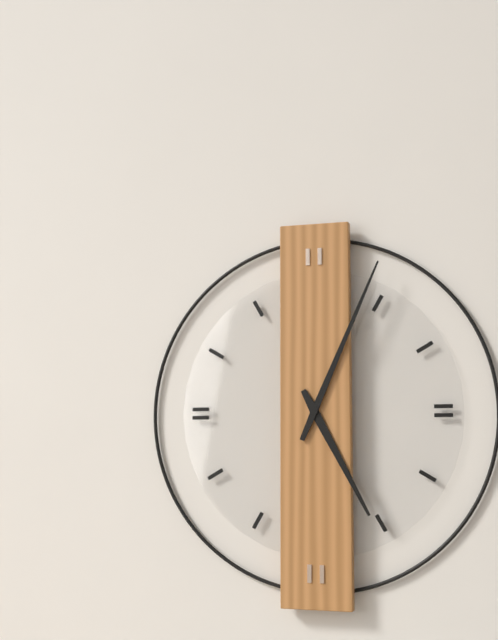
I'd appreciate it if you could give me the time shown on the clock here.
5:04
